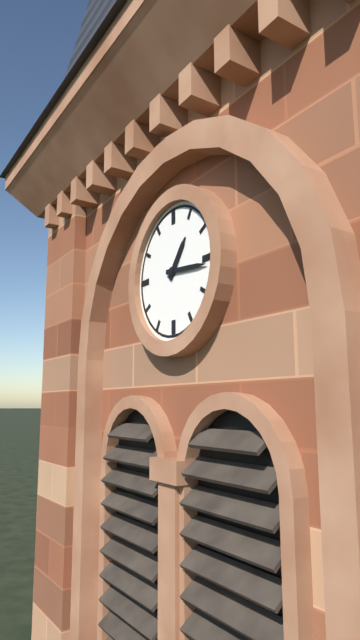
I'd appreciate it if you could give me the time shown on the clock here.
1:16
